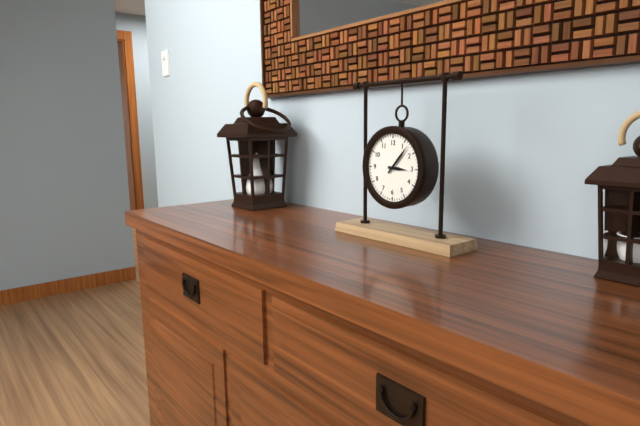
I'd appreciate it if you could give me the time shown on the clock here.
3:07
